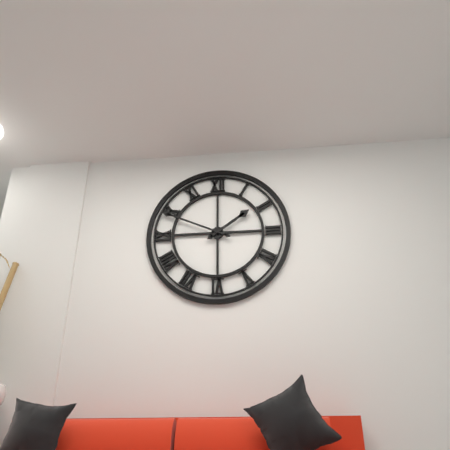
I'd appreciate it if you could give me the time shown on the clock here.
1:49
